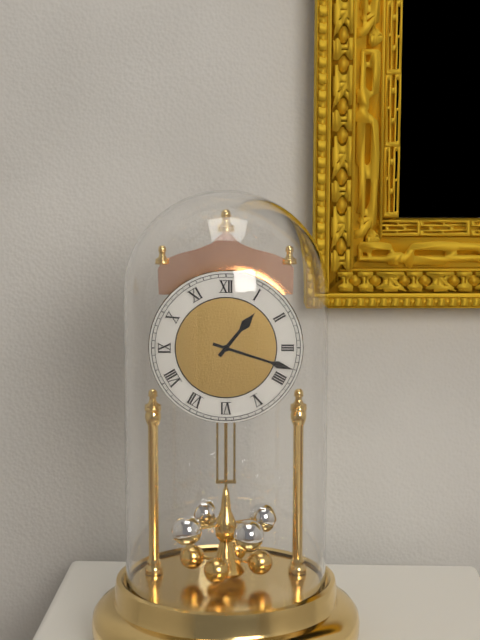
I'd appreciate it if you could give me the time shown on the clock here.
1:18
